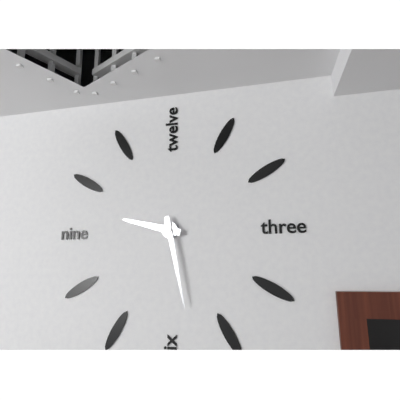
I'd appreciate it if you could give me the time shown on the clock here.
9:28
